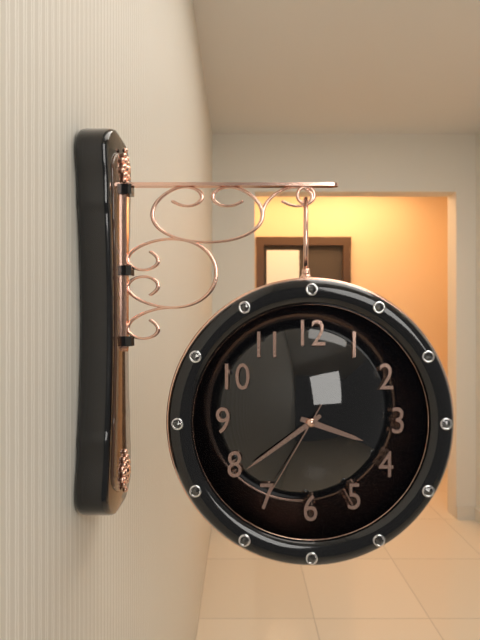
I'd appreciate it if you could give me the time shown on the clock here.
3:39:35
